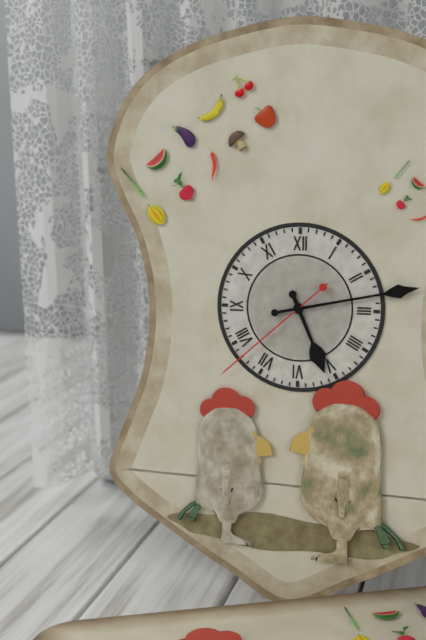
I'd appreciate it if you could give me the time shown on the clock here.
5:13:38
